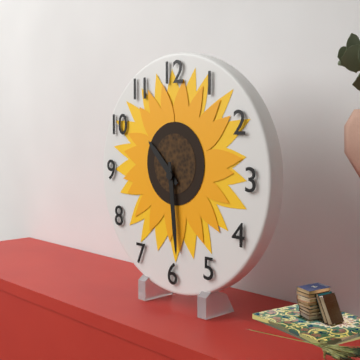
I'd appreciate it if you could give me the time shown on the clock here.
10:29
